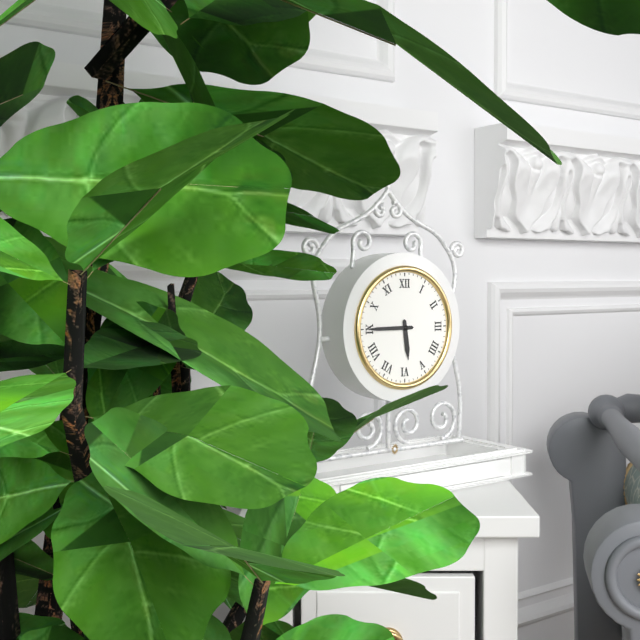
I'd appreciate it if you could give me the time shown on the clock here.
5:45
